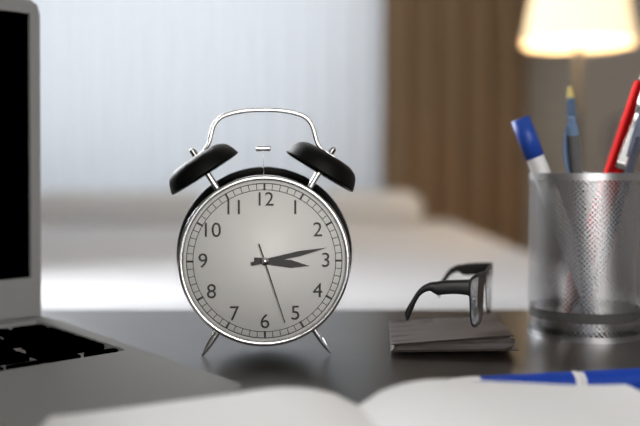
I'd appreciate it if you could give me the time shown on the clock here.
3:13:27
